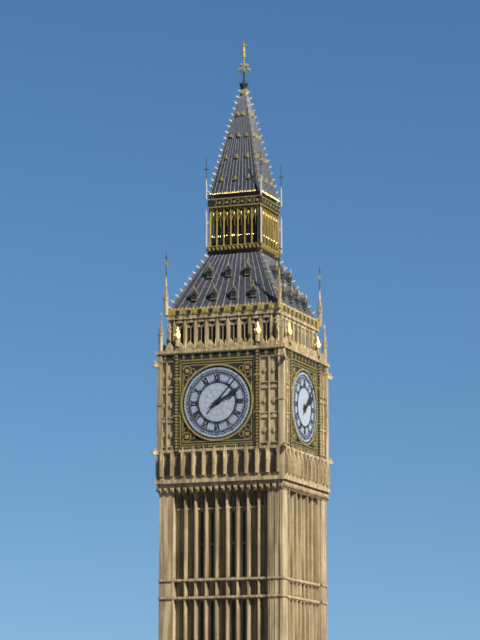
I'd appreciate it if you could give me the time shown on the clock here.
2:07
